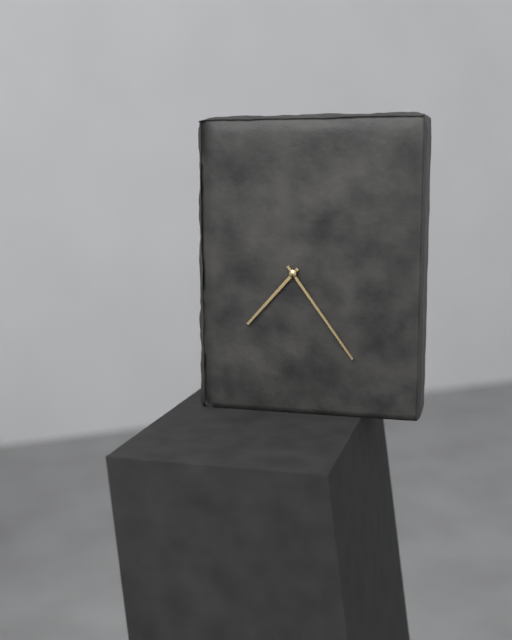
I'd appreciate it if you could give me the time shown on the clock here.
7:24
